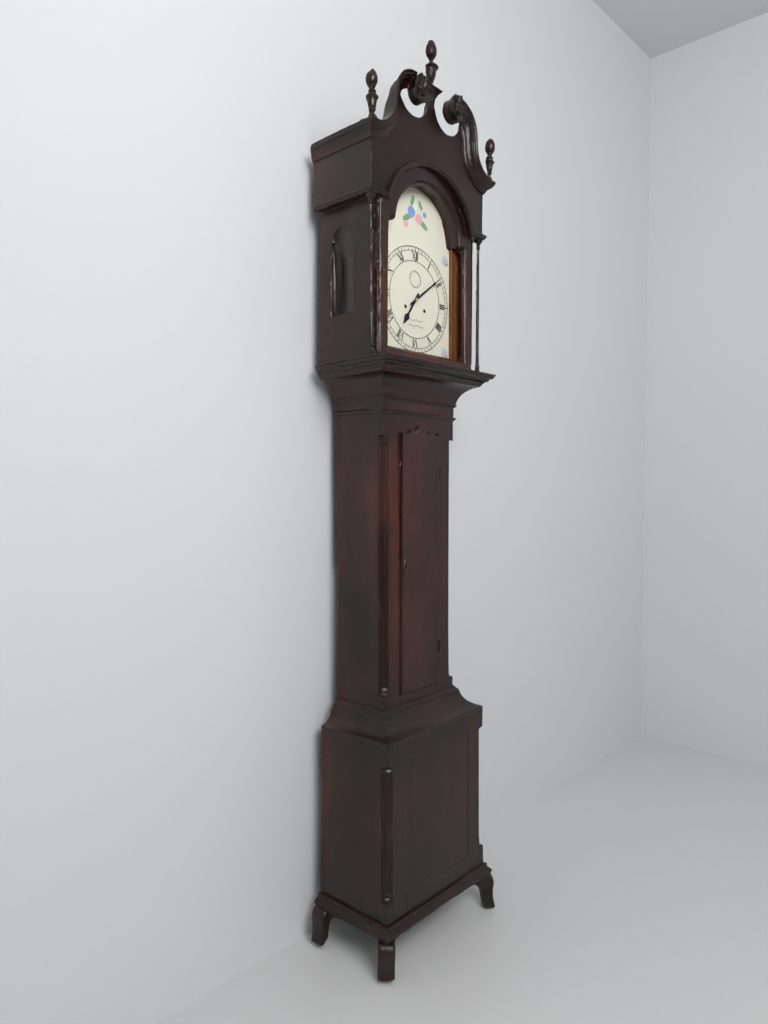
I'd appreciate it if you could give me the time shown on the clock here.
7:09
